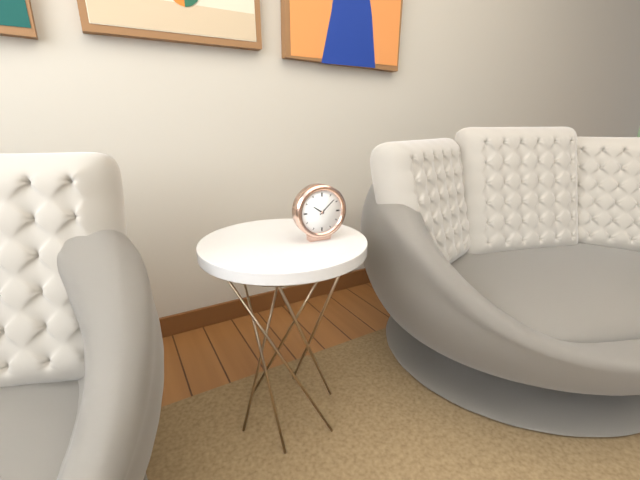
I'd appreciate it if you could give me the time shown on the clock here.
10:08
